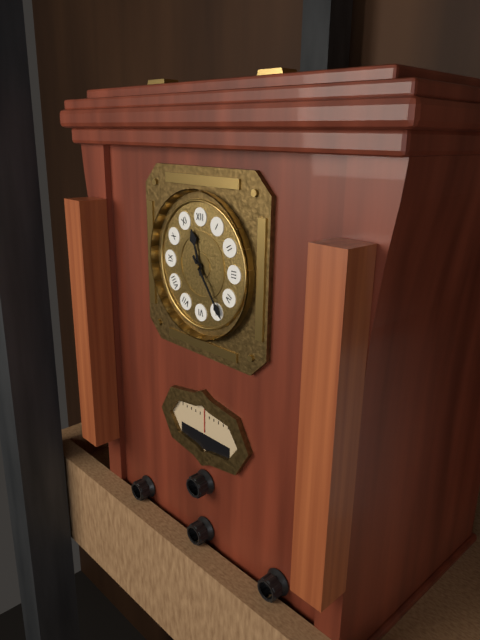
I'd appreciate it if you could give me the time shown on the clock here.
11:24
